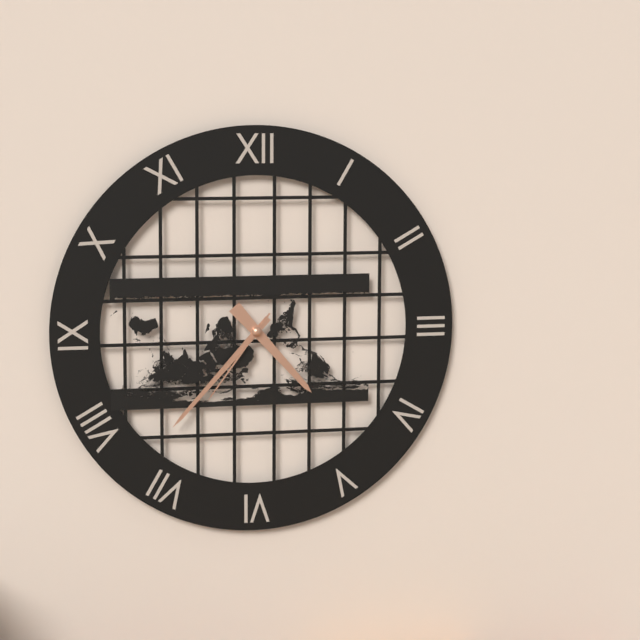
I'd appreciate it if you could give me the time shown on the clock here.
4:37:36
